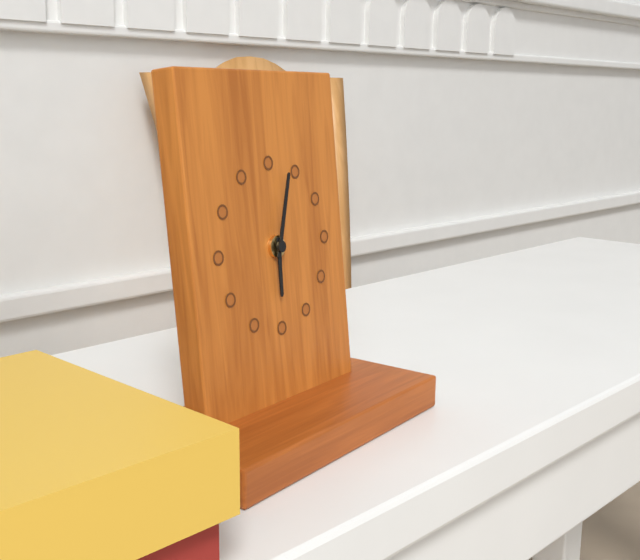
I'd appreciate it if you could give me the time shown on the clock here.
6:03
